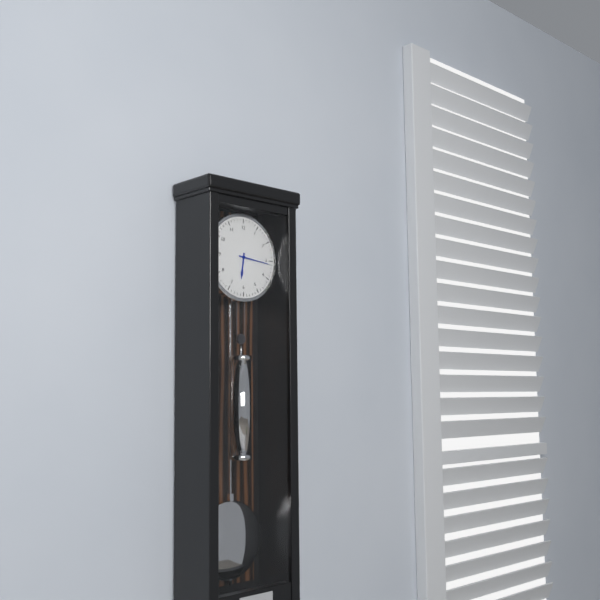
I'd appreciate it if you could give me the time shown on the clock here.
6:16
